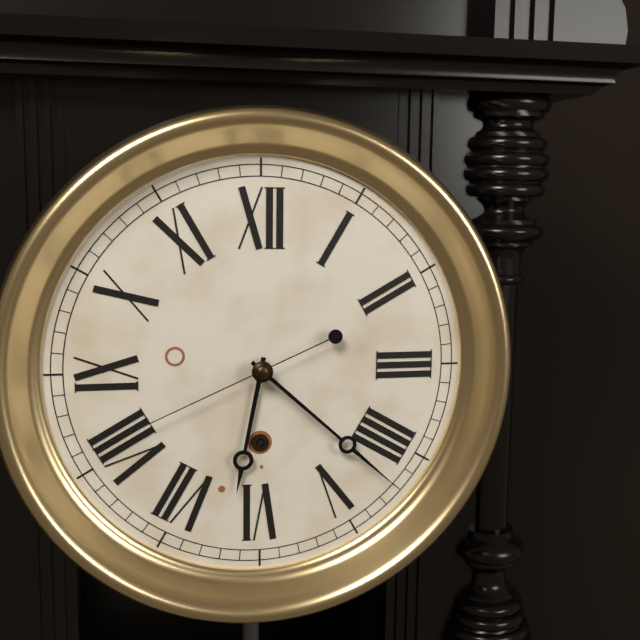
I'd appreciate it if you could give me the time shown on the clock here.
6:22:41
